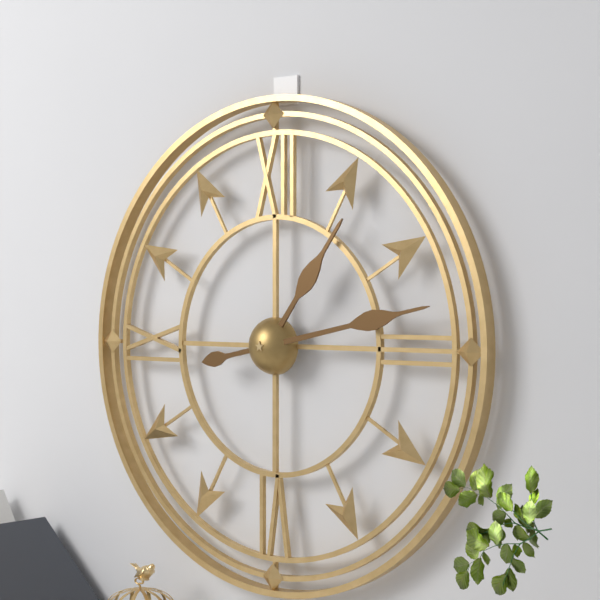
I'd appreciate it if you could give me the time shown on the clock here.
1:13
